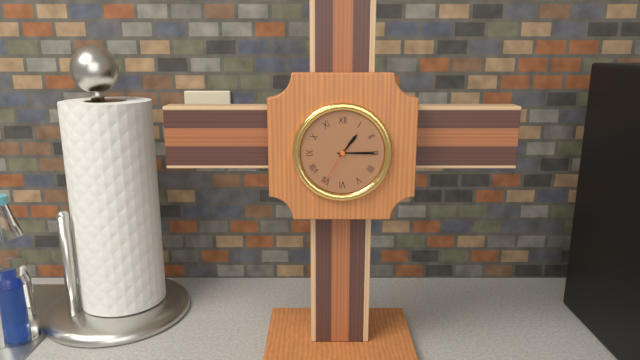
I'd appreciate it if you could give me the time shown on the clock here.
1:15
